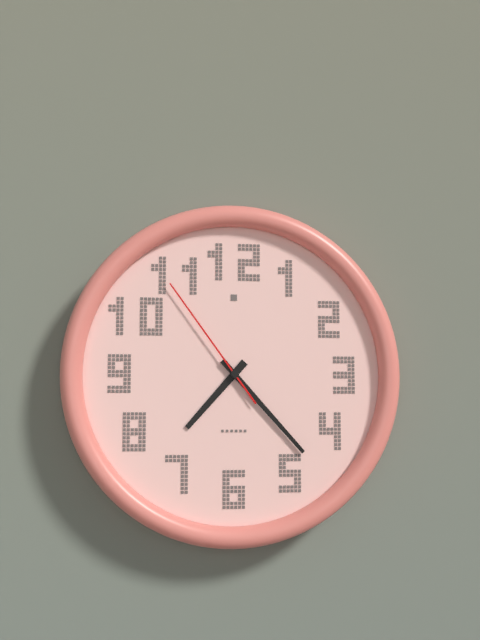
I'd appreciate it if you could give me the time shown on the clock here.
7:23:54
